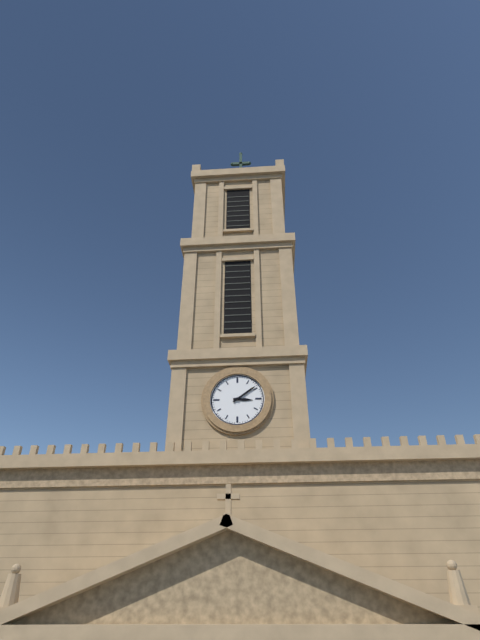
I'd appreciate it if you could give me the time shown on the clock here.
3:09
